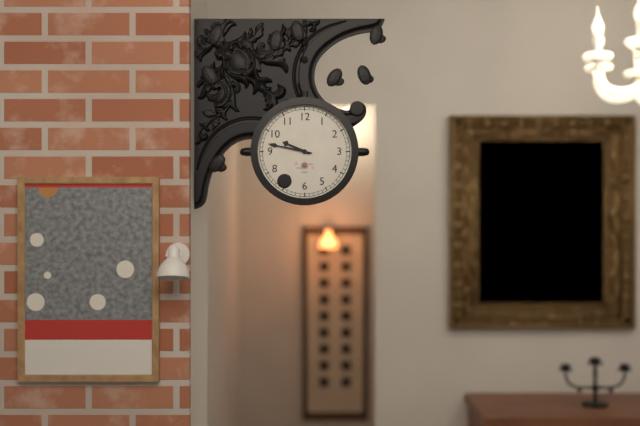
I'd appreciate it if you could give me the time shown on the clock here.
9:47
